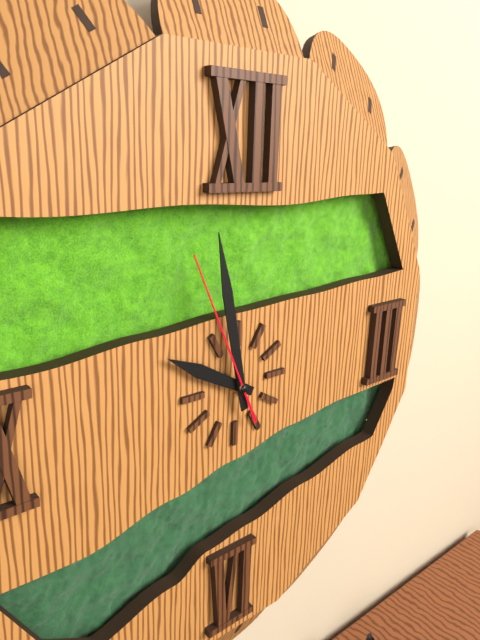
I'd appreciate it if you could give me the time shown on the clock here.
9:58:56
